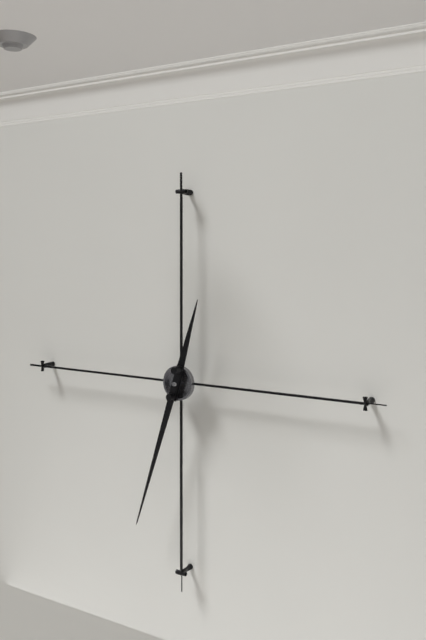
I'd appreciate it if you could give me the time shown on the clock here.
12:33
